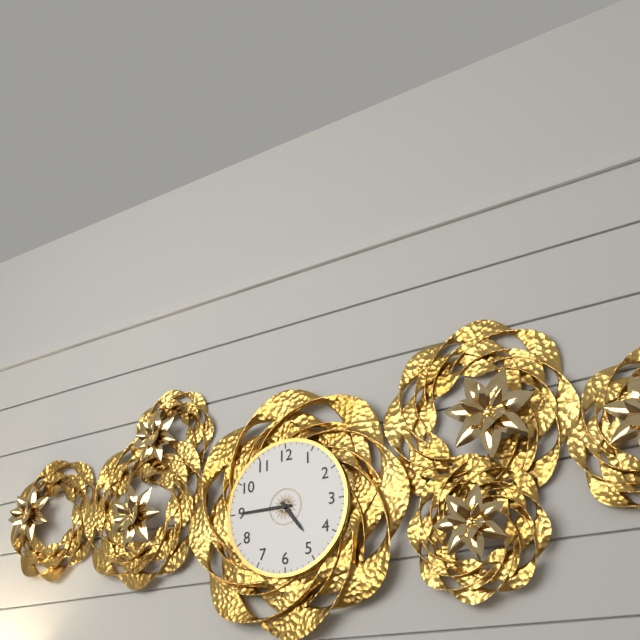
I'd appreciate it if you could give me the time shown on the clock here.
4:45
